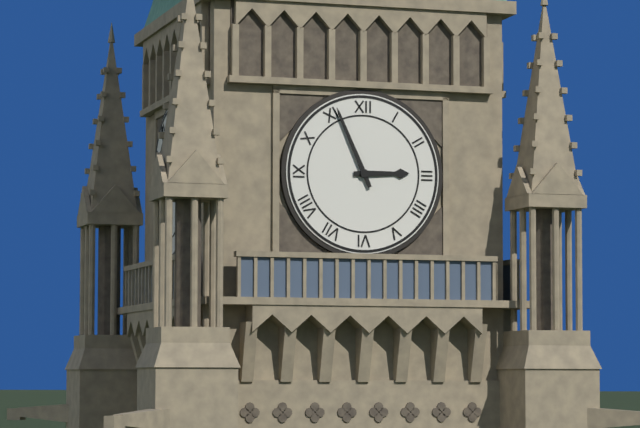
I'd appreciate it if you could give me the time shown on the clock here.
2:56
